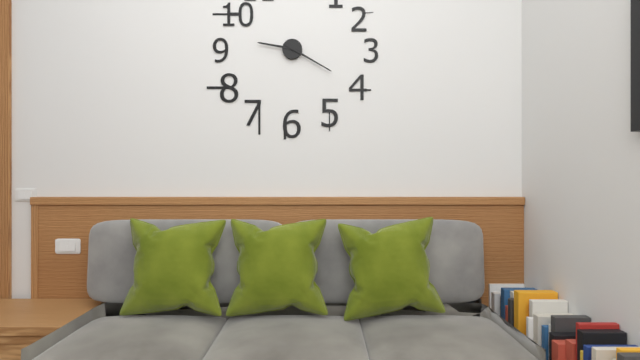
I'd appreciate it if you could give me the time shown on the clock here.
9:20
